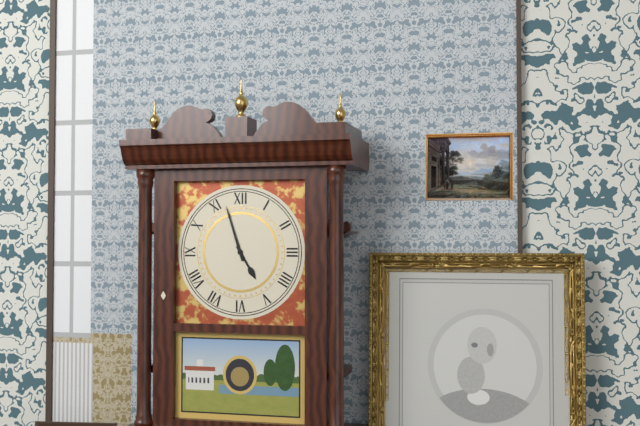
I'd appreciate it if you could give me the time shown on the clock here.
4:57
